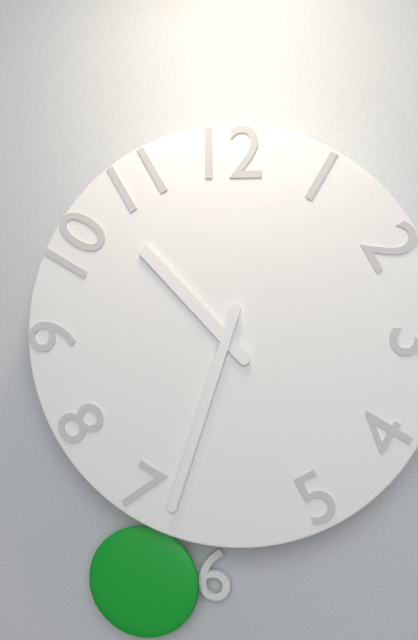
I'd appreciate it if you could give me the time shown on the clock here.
10:33
